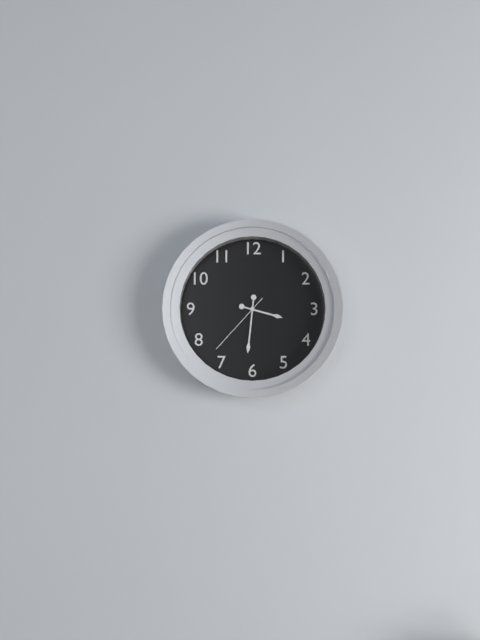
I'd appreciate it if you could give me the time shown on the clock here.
3:31:37
